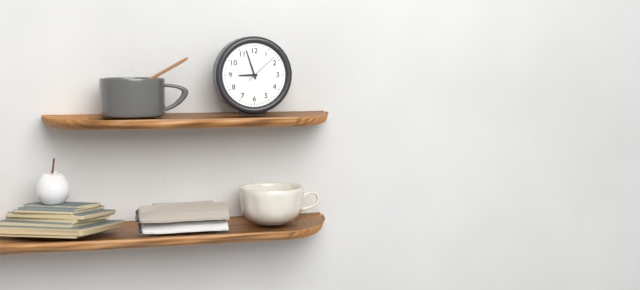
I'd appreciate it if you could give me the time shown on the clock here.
8:57
